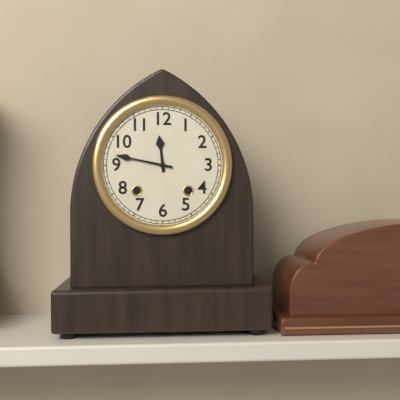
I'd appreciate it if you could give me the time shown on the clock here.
11:47
